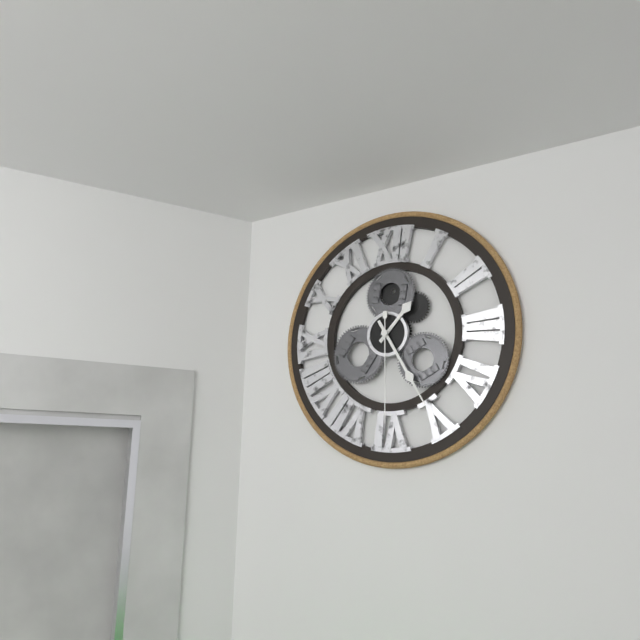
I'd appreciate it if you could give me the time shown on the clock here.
1:25:30
